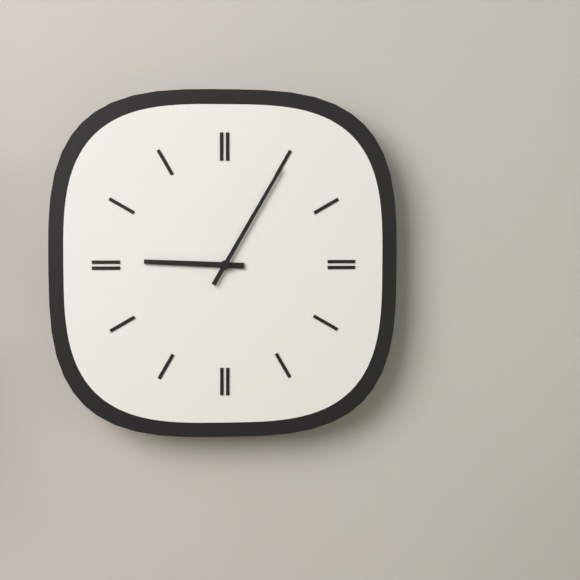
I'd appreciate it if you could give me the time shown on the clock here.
9:05
